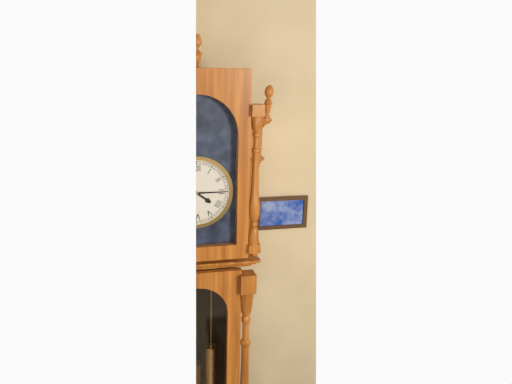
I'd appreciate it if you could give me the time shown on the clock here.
4:15
